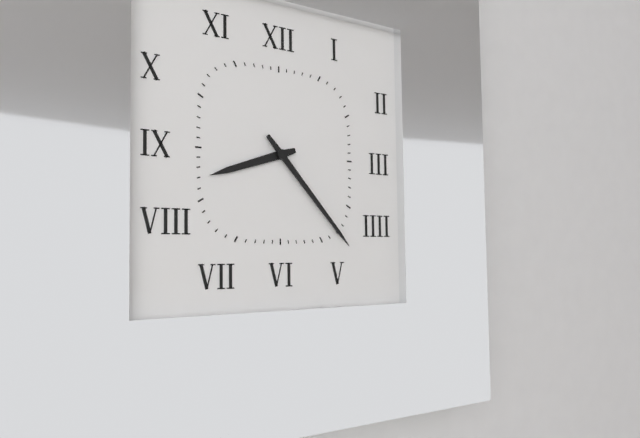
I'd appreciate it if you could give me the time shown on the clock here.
8:23
